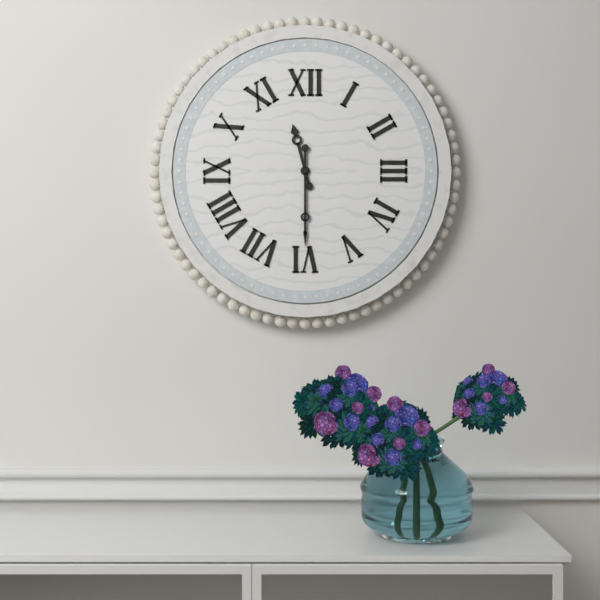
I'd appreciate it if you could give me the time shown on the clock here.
11:30
